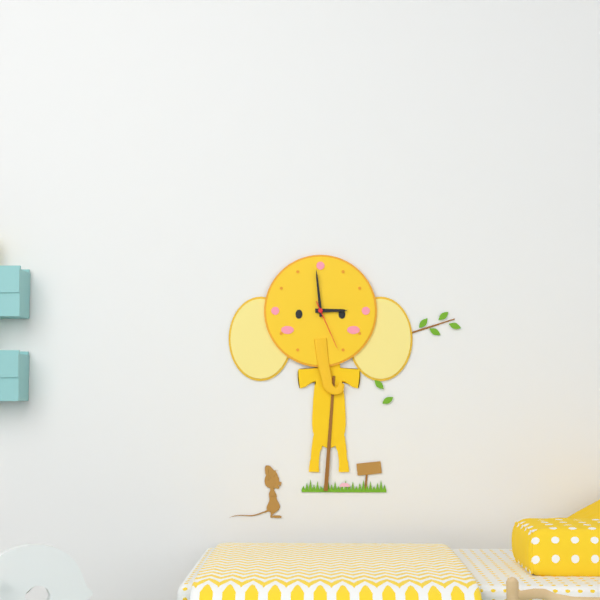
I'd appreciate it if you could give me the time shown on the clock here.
2:59:26
